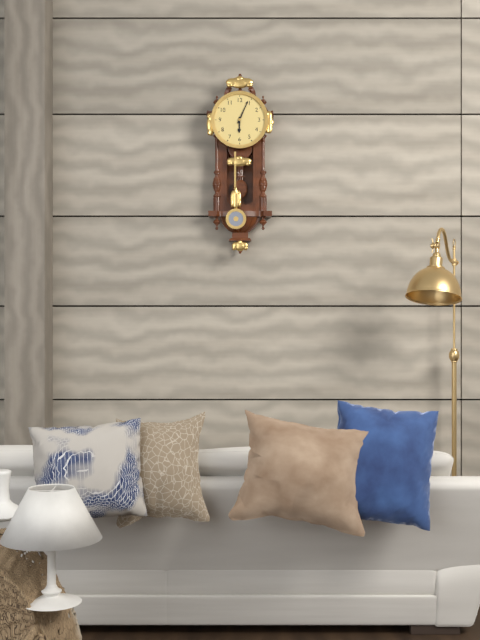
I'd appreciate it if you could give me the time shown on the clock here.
6:04
